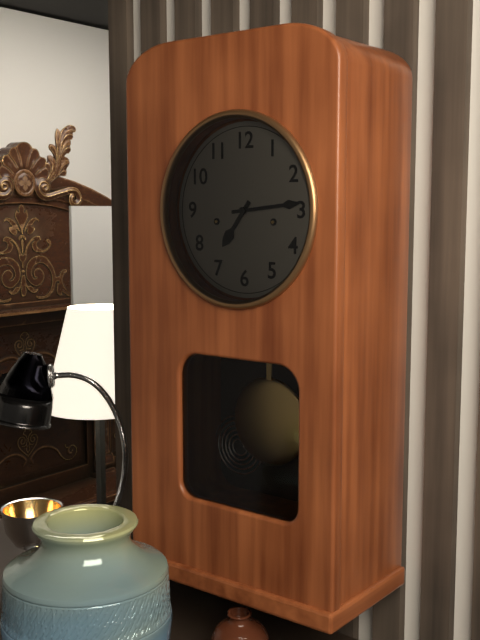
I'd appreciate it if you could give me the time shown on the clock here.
7:14
